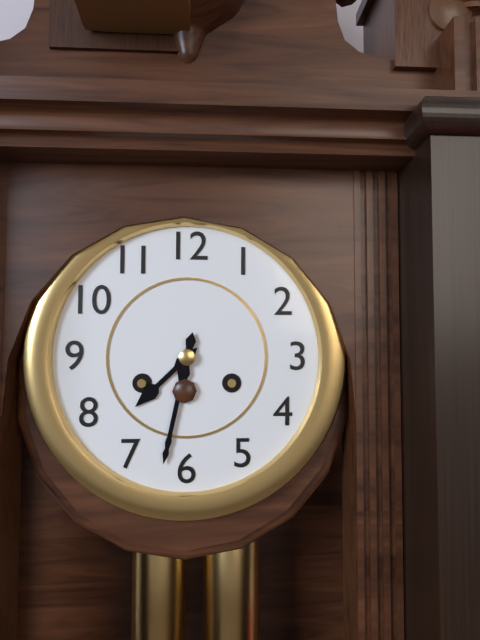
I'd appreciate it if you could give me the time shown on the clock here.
7:32
